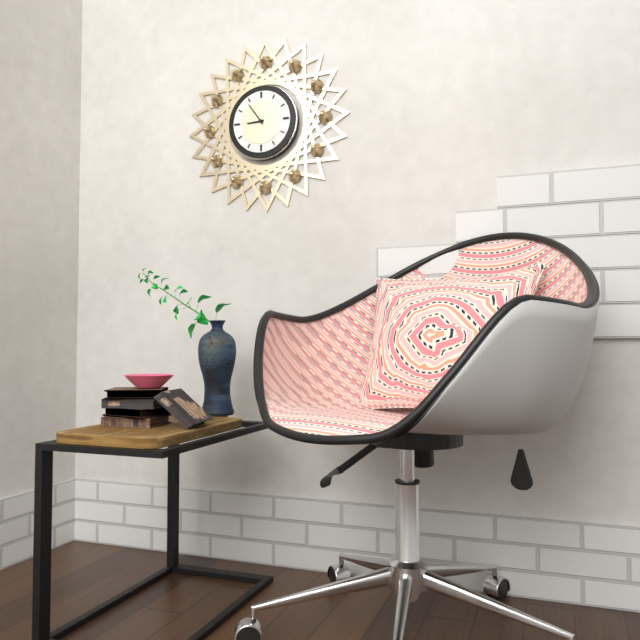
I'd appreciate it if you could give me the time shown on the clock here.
8:54
